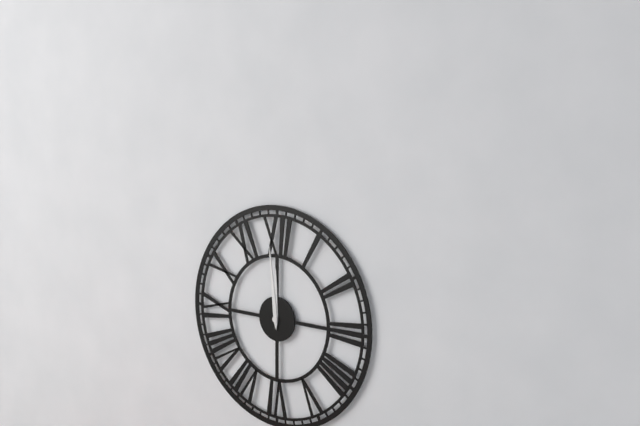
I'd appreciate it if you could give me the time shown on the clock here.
11:59
